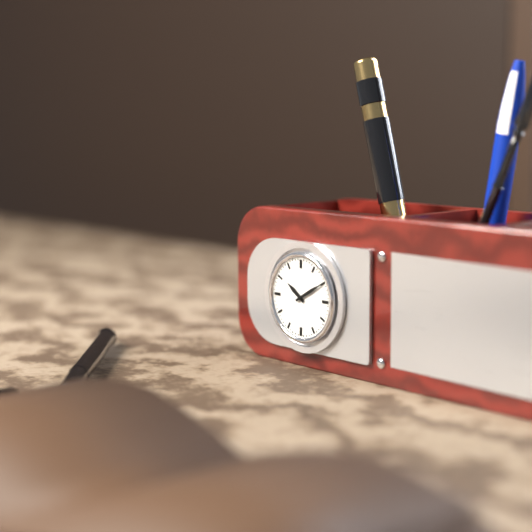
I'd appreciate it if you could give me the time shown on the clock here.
10:10
